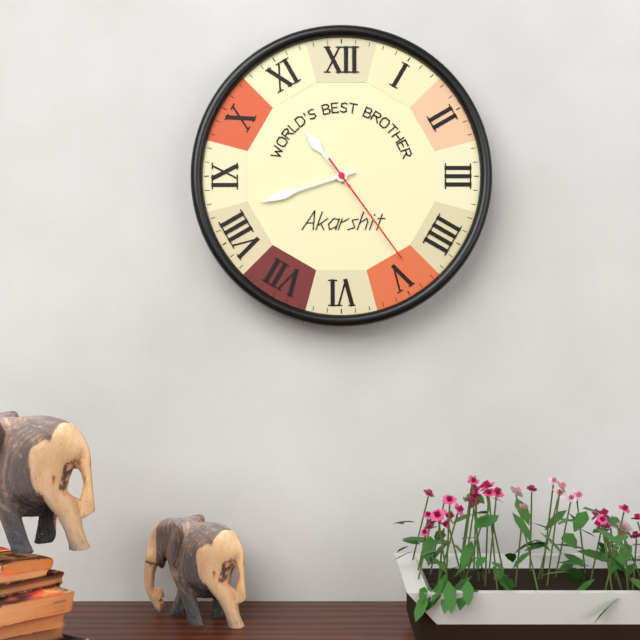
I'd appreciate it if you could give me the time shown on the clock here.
10:42:24
